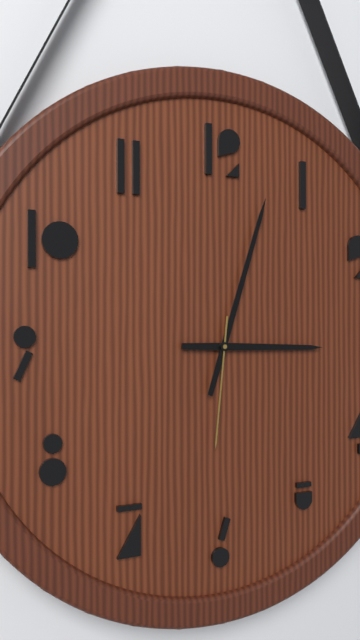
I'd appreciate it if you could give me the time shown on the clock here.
3:03:31
